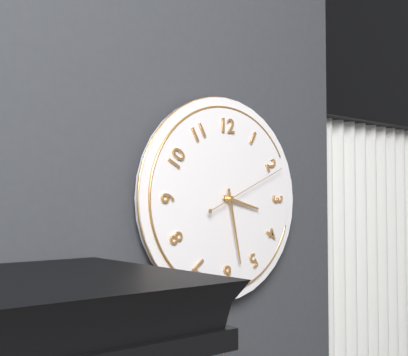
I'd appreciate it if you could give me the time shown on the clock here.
3:28:11
